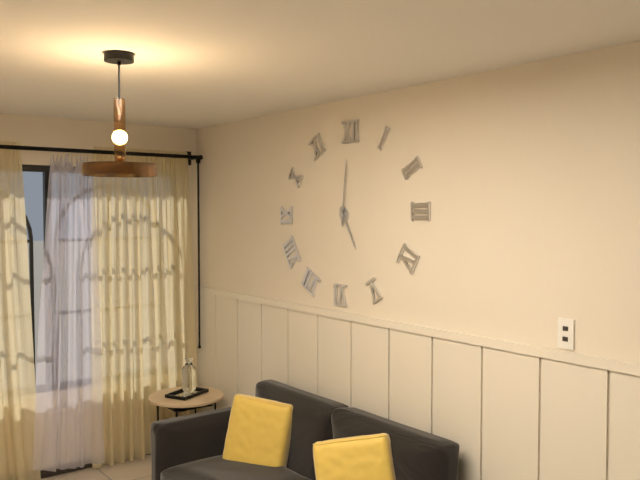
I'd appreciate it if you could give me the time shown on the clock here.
5:01
